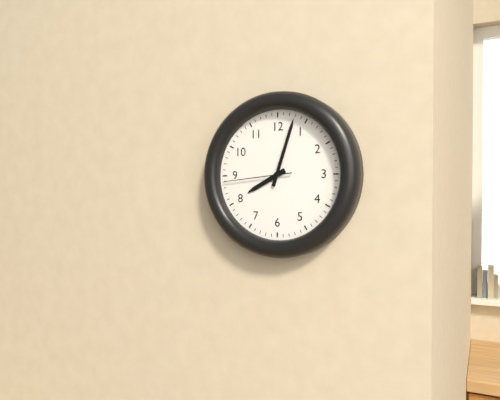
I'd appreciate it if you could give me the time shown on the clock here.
8:03:44
